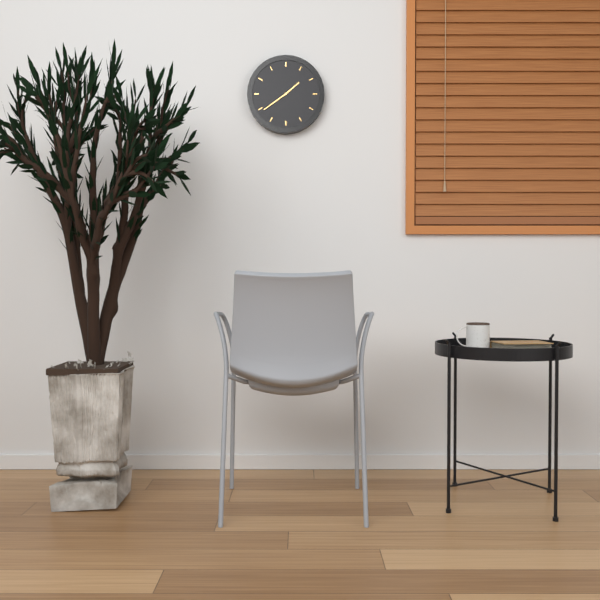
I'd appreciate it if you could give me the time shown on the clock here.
1:39
